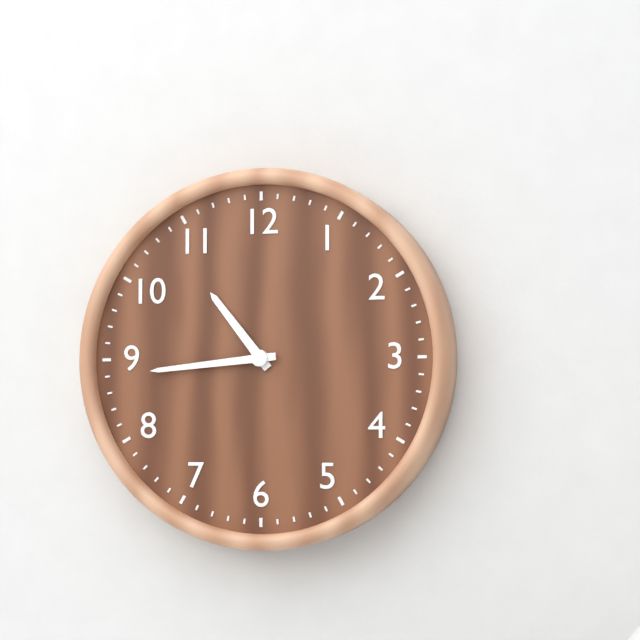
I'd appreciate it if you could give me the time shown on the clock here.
10:44
